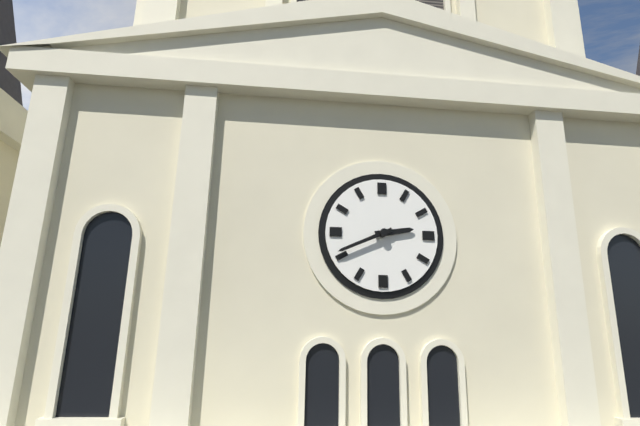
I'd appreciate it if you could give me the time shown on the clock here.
2:41
